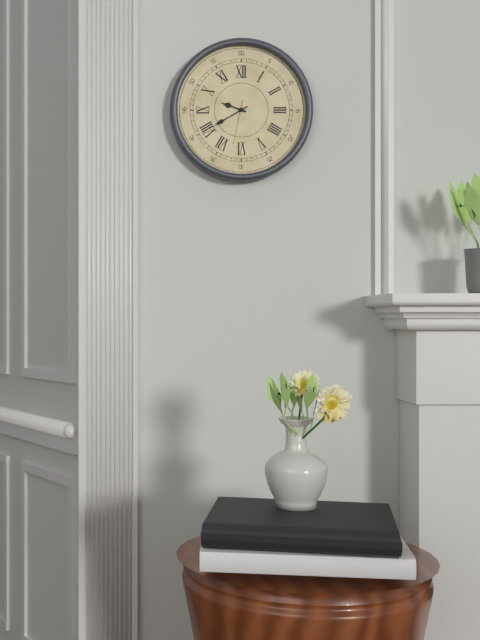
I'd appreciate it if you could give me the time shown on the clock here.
9:40
